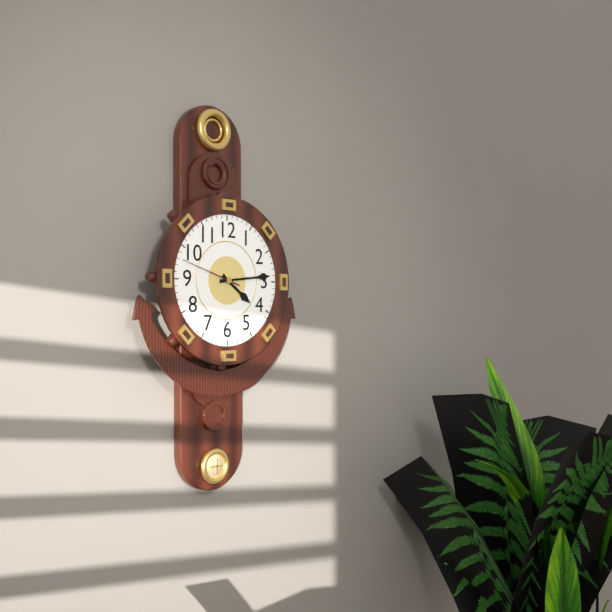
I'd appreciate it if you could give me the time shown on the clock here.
4:14:48
